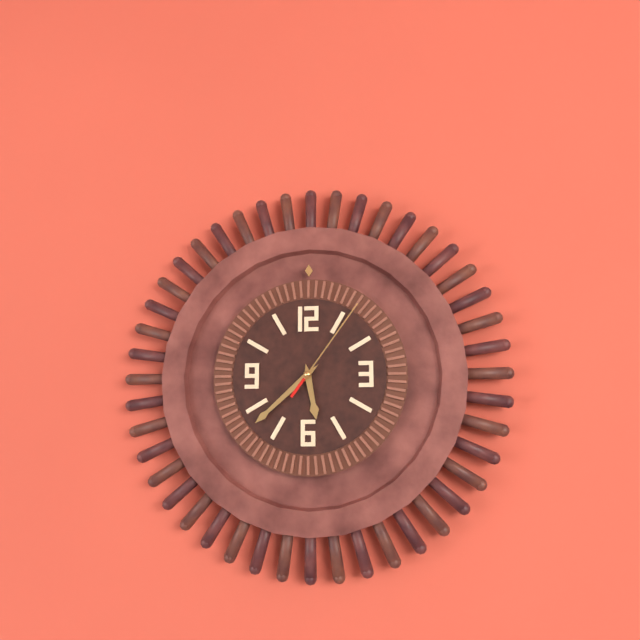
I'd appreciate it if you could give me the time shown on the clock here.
5:38:06
